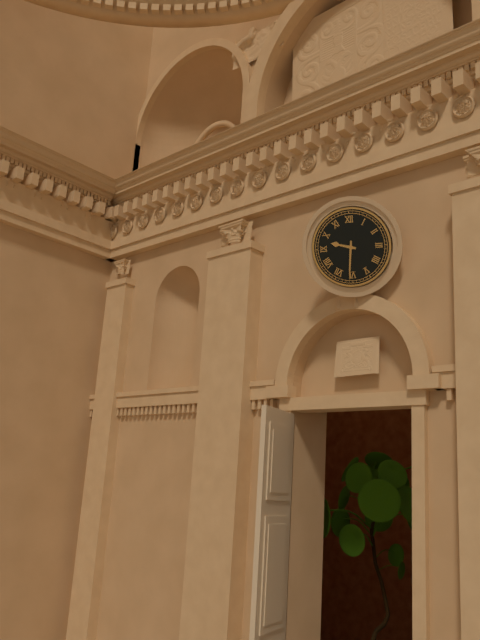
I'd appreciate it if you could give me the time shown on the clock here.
9:31
